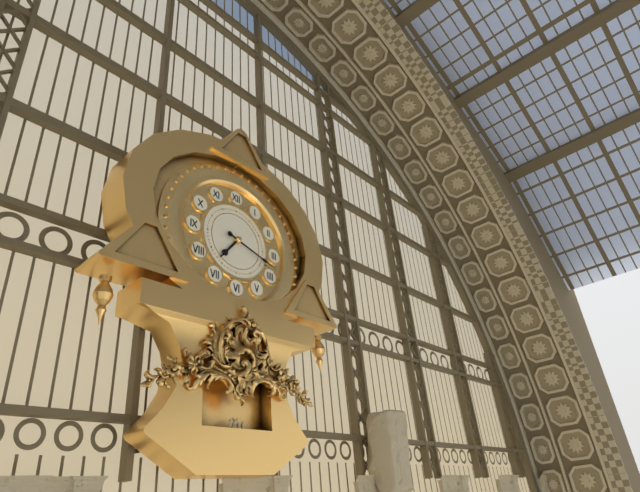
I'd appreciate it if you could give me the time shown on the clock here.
7:18
